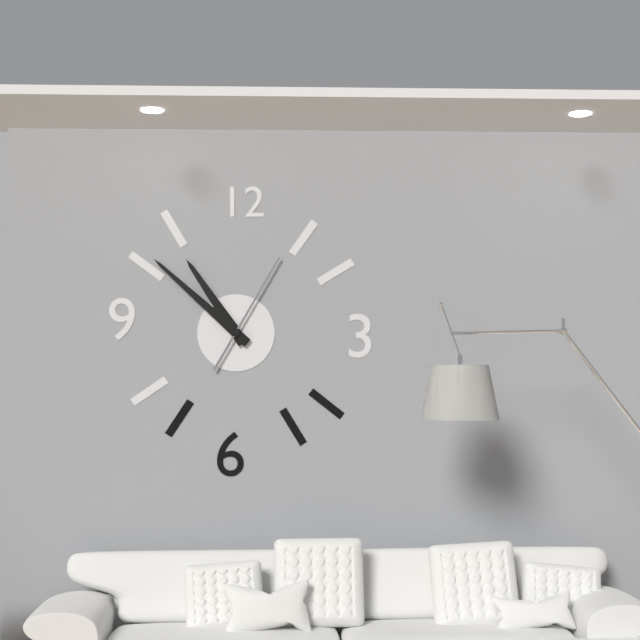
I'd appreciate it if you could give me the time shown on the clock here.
10:52:05
